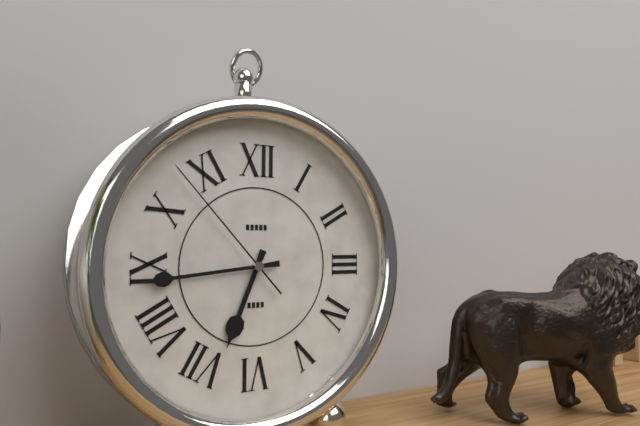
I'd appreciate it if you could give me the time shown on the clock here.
6:44:53
